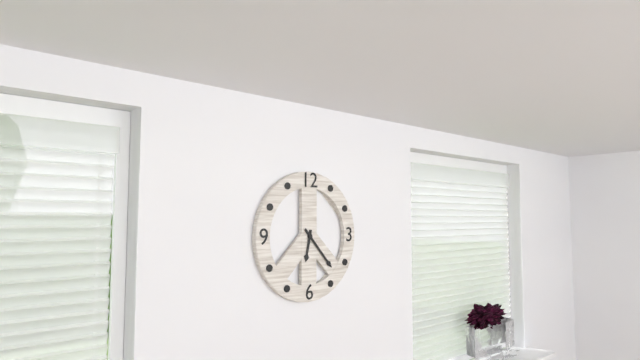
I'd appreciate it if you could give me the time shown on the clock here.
6:23
